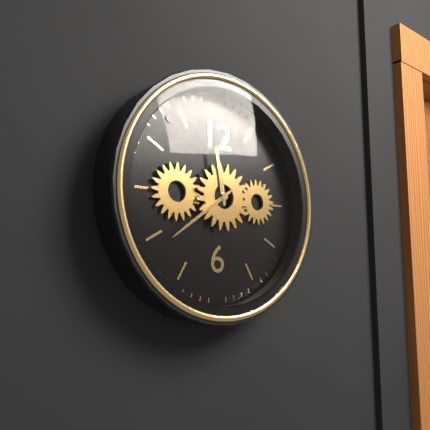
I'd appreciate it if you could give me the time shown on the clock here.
11:39
